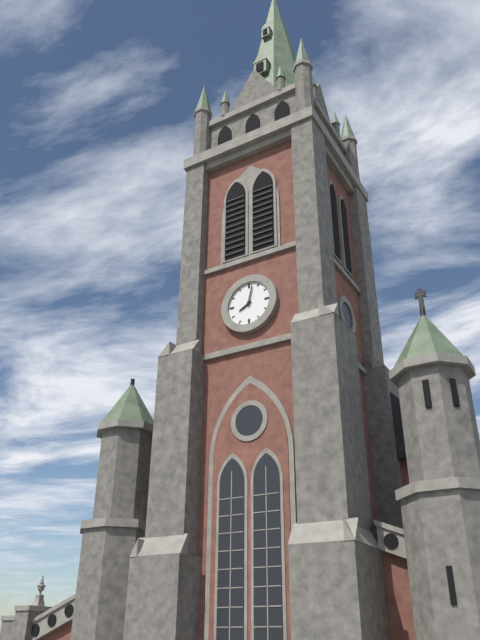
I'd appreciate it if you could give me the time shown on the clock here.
8:02
